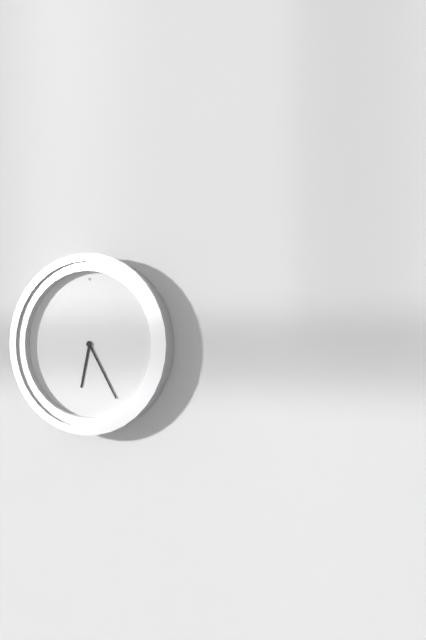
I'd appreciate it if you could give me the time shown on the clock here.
6:25
